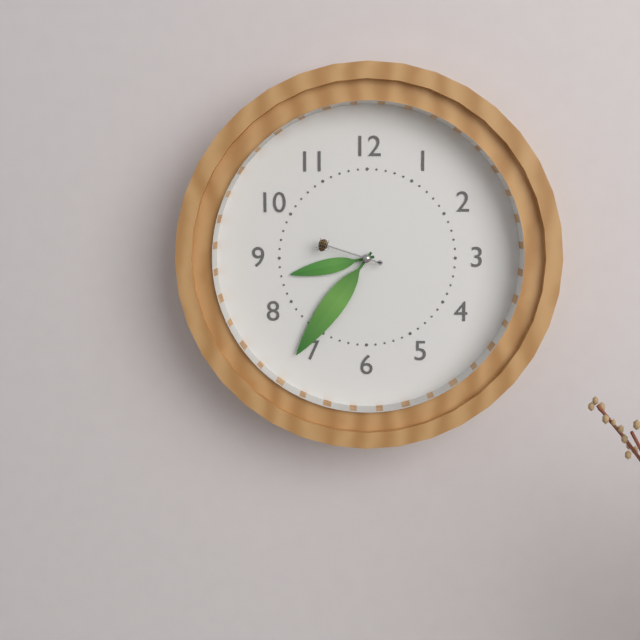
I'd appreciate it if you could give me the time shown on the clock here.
8:36:48
